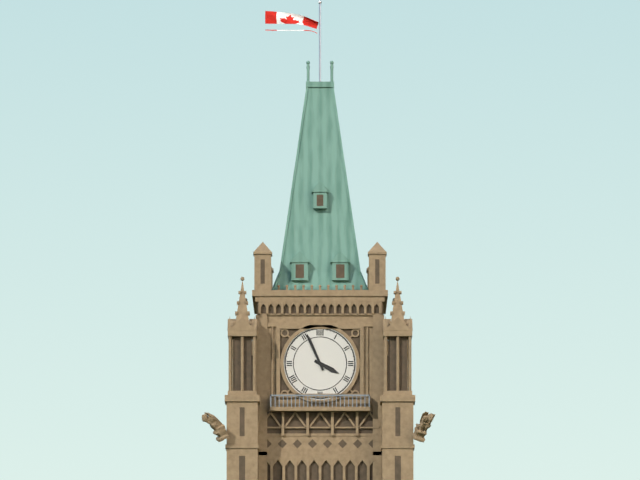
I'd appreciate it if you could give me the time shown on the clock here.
3:56
